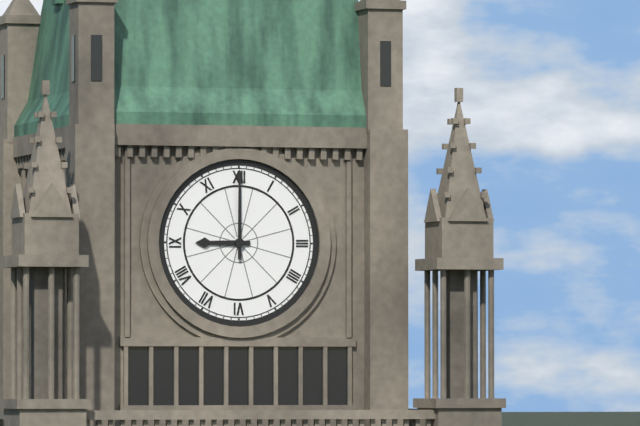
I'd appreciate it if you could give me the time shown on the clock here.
9:00
